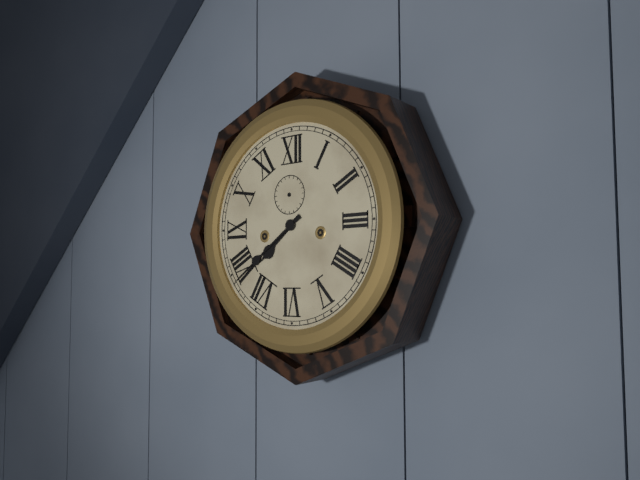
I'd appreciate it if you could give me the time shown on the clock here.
7:39
